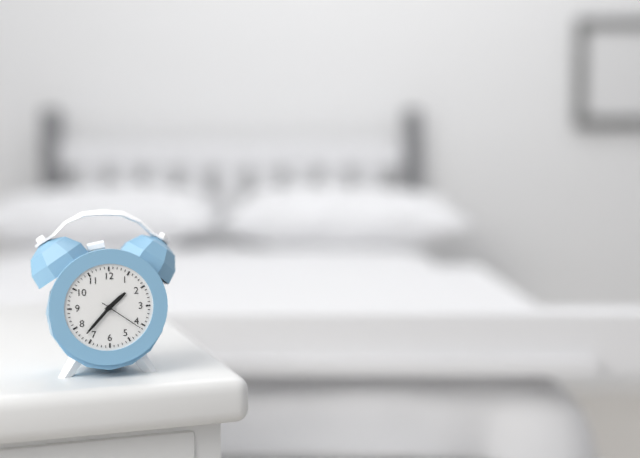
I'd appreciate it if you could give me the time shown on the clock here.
1:37
